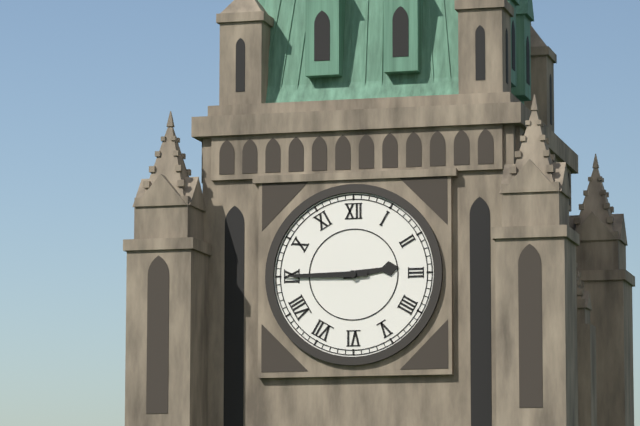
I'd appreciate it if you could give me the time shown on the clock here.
2:45
